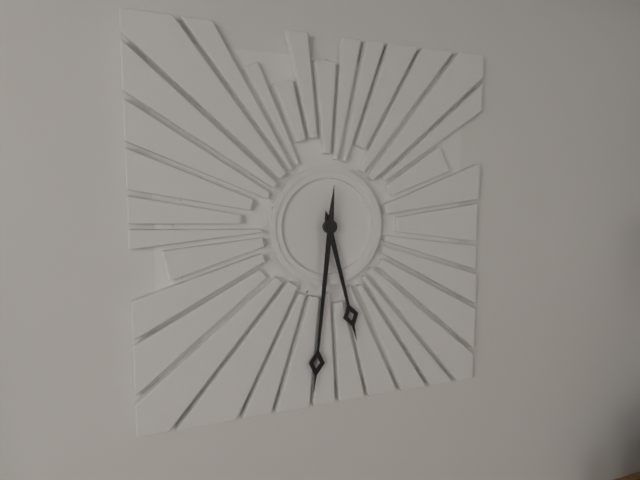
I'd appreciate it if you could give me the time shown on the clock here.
5:31
